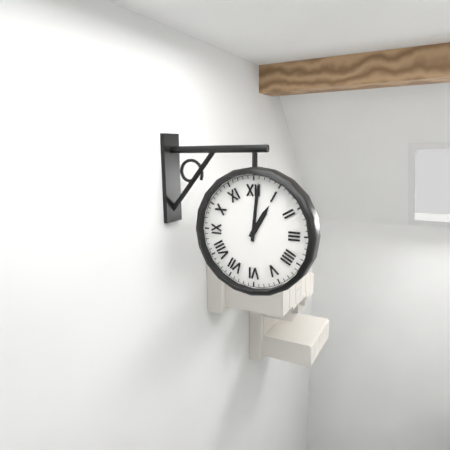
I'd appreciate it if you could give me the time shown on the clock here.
1:01
